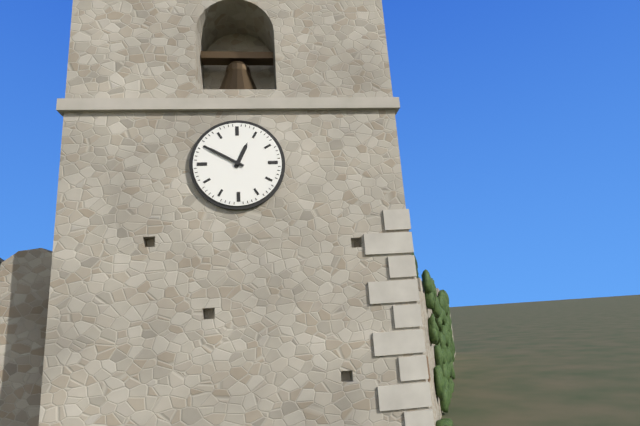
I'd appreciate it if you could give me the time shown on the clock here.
12:50
